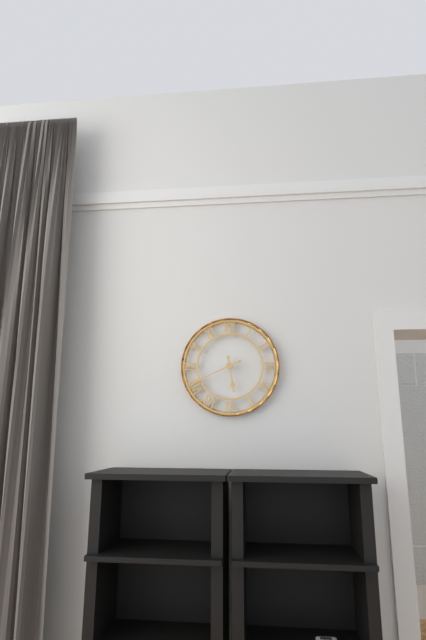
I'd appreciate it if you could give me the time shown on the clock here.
5:41
